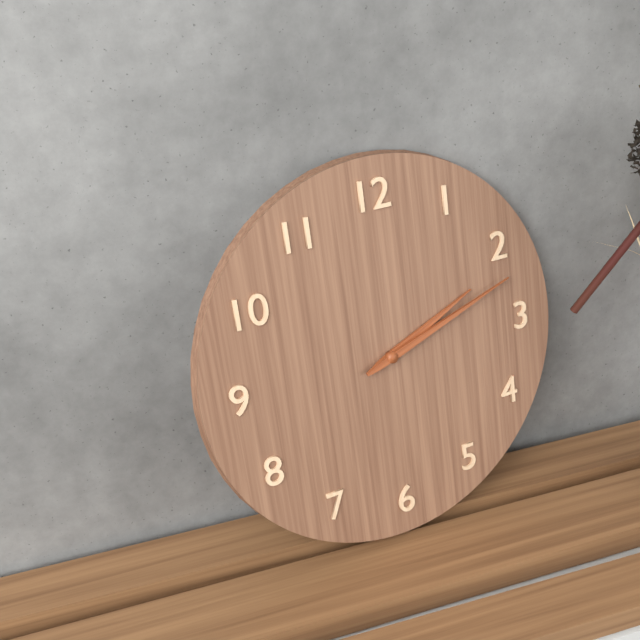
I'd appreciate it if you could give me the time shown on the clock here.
2:12
